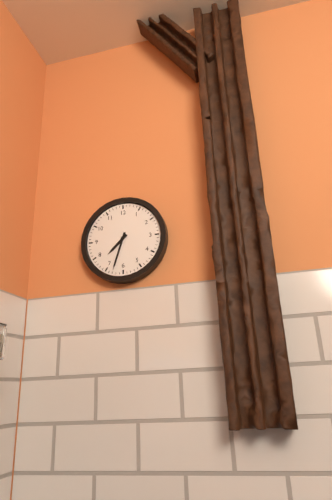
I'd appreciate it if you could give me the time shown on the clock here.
7:33
